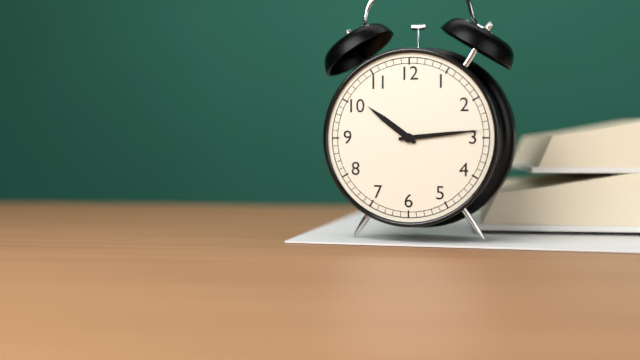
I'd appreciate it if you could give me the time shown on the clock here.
10:14
